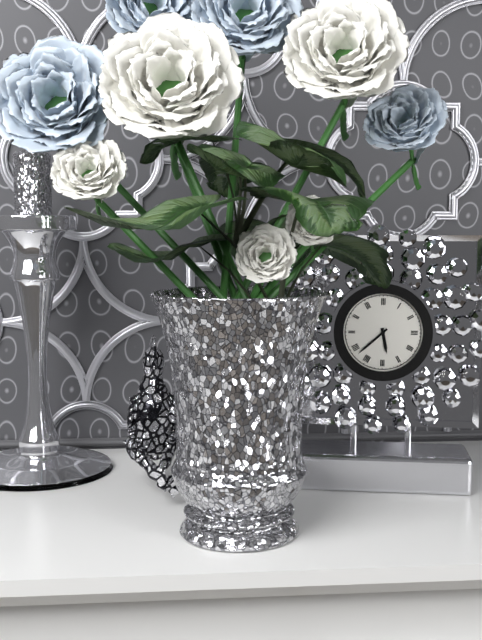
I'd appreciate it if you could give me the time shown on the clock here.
5:38
